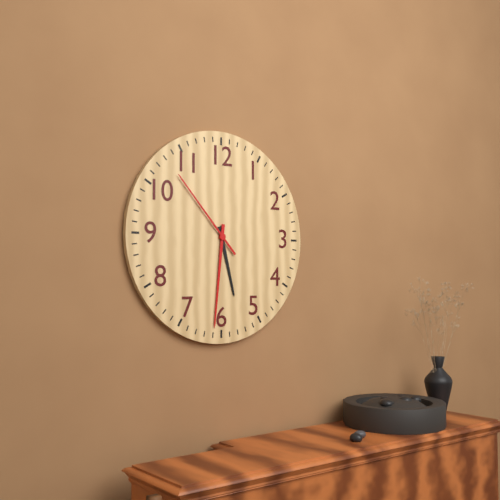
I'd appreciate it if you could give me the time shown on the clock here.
5:31:53
